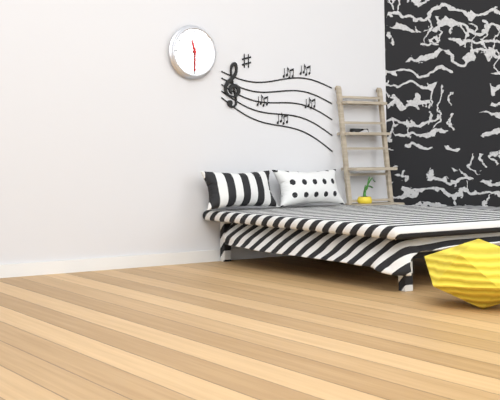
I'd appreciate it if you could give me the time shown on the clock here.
11:30
